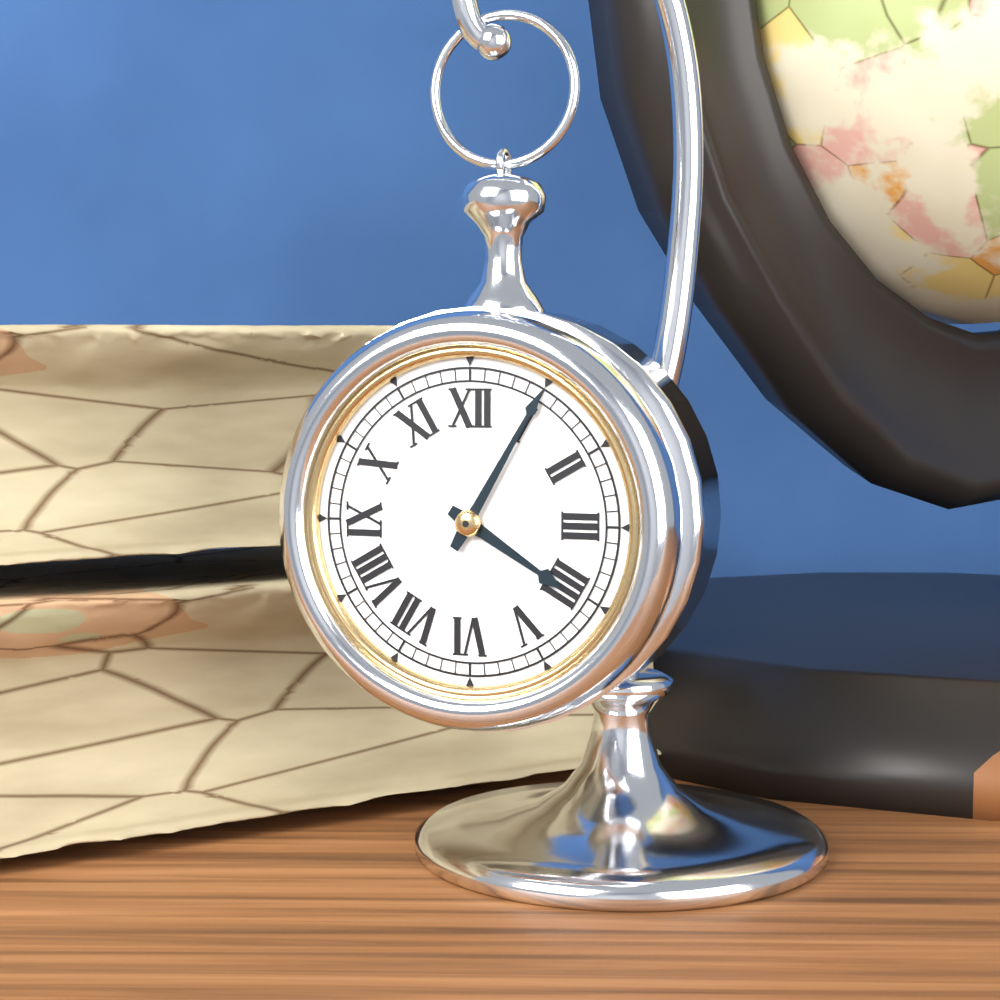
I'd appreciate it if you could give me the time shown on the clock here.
4:05
